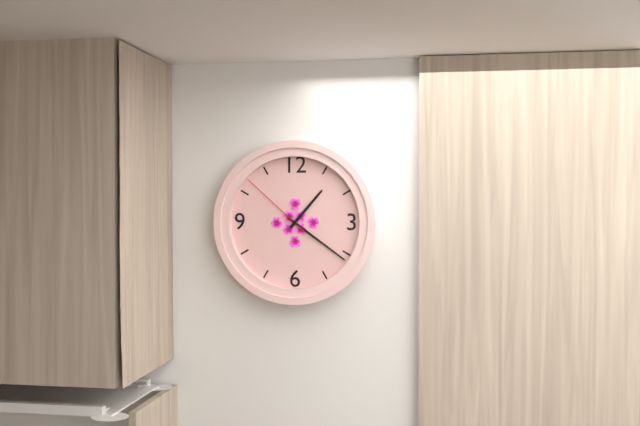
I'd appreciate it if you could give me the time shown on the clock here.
1:21:52
